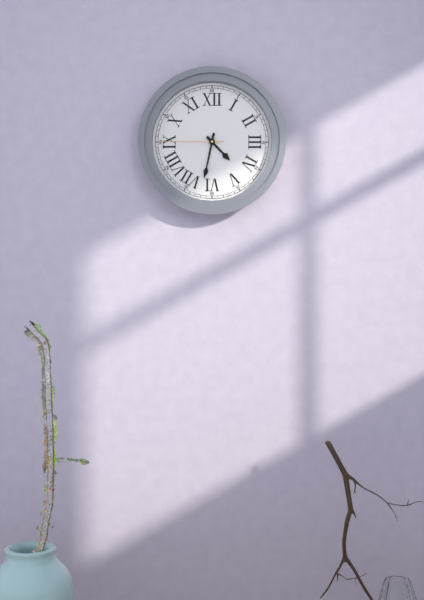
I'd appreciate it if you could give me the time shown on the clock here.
4:32:45
